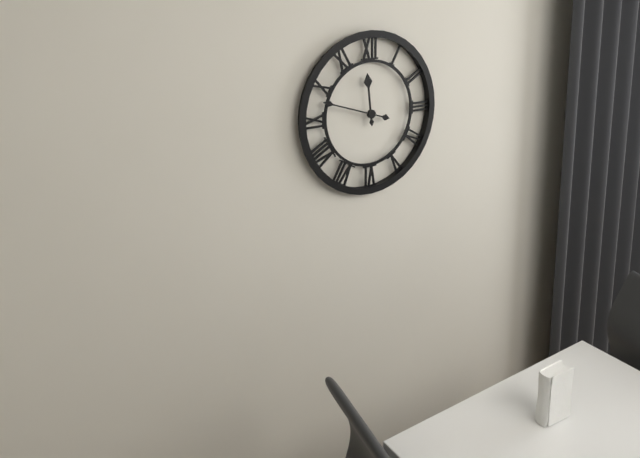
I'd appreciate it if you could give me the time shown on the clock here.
11:48
